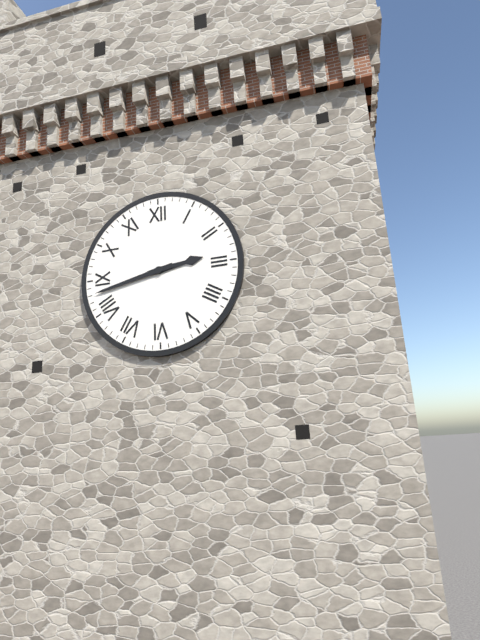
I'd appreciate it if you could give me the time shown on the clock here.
2:43
